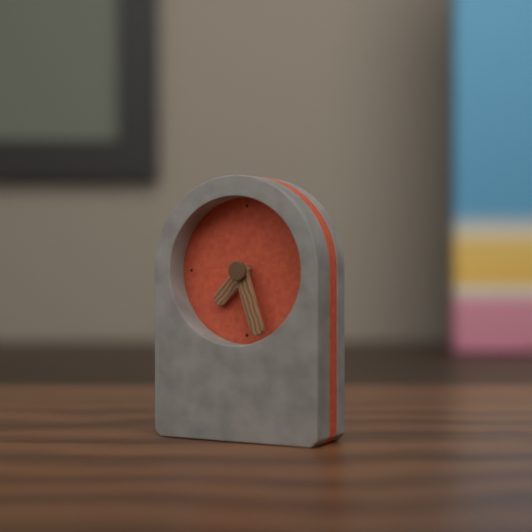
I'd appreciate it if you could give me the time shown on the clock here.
7:27
